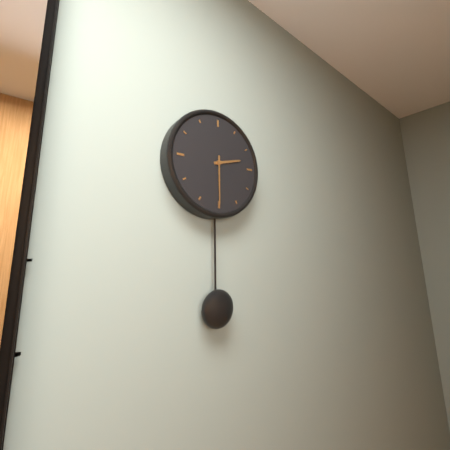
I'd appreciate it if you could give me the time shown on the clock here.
2:30
